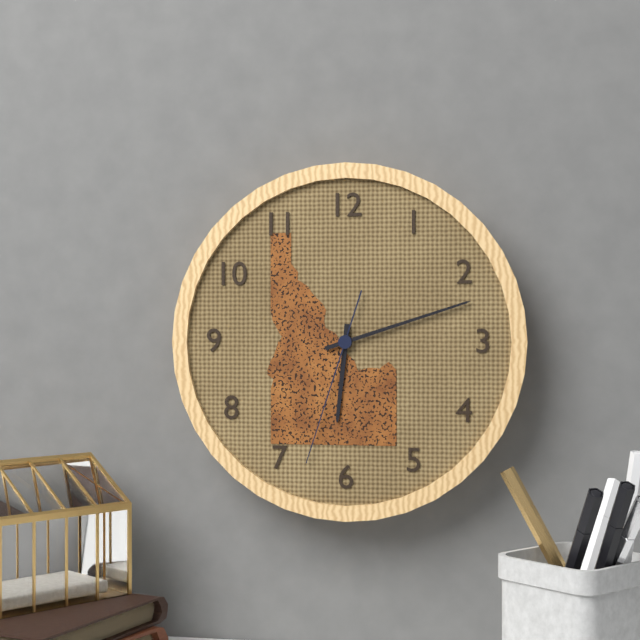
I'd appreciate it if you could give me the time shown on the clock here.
6:12:33
